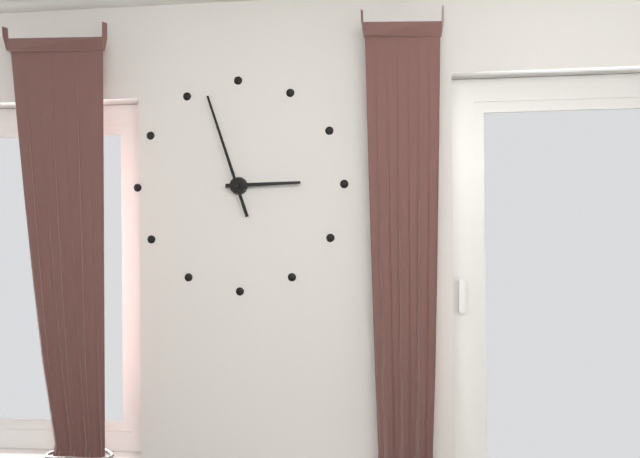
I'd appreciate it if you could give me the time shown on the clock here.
2:57
